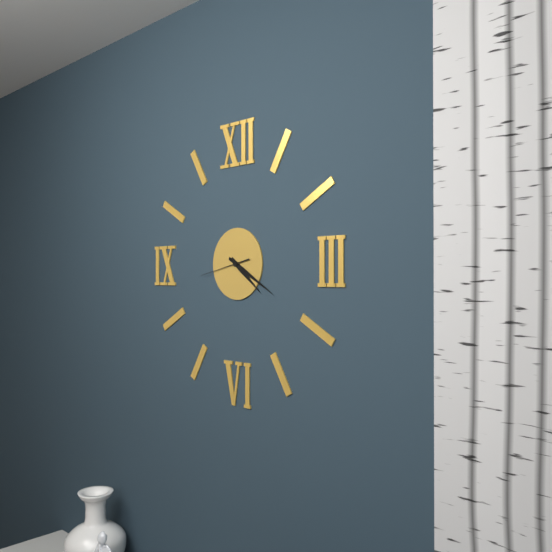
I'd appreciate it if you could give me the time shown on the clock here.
4:20
